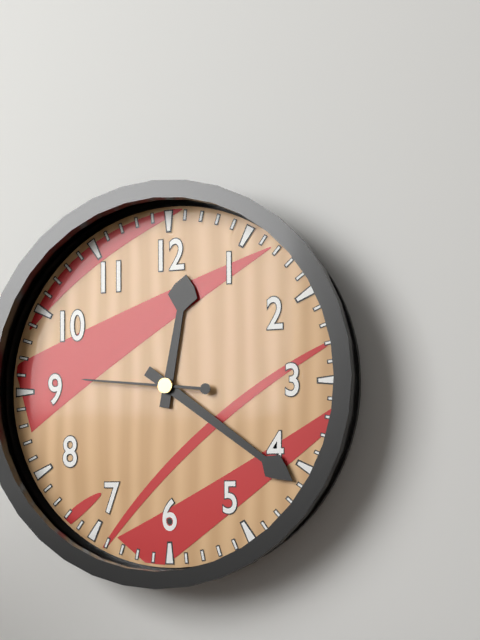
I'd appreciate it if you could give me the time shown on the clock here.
12:21:46
